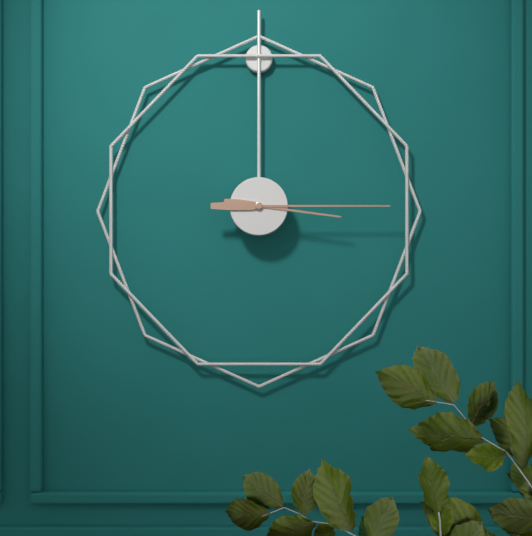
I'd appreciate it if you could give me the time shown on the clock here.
3:15
